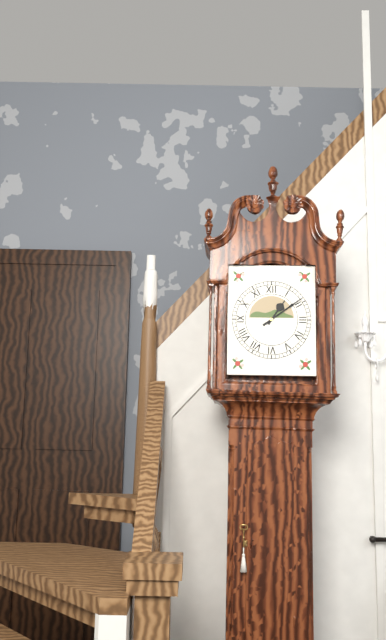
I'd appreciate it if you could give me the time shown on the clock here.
1:09
